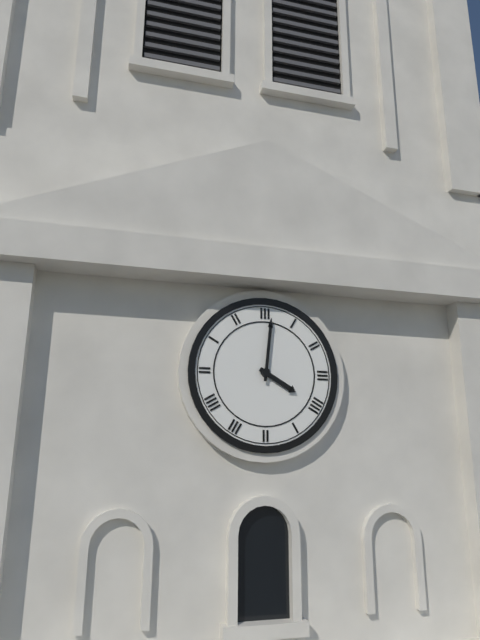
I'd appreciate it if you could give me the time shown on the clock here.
4:01
